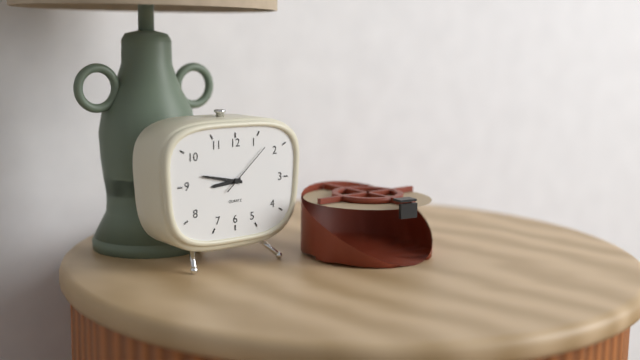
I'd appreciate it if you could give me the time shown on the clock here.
8:47:08
